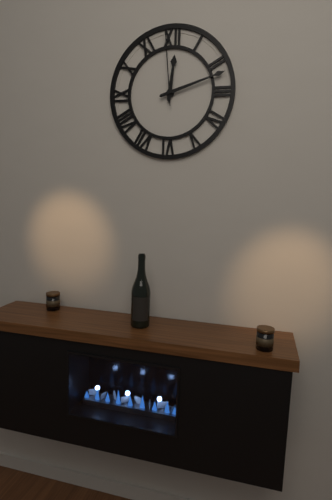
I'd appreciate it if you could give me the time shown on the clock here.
12:12:59
